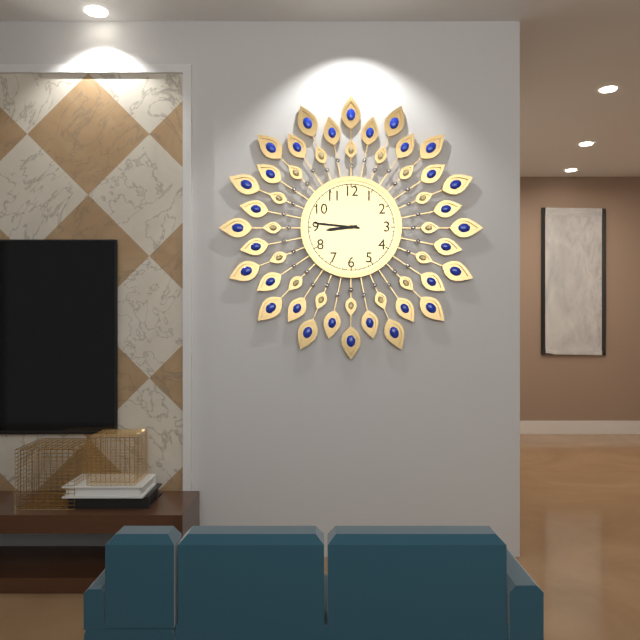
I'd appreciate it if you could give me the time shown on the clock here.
8:46
